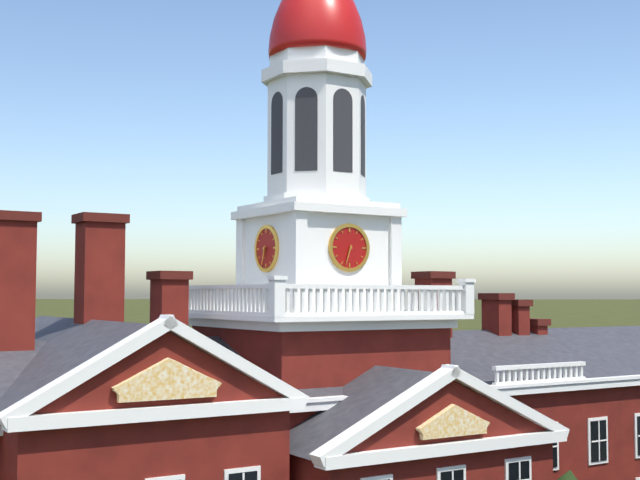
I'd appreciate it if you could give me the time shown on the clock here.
6:33
